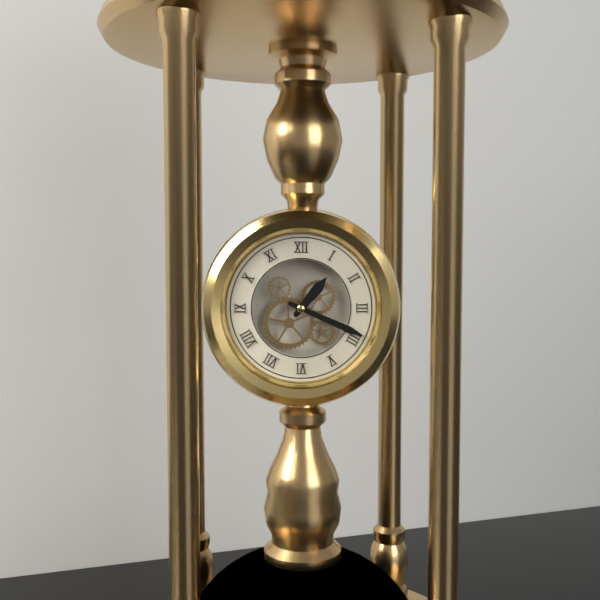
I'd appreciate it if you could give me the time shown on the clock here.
1:19
